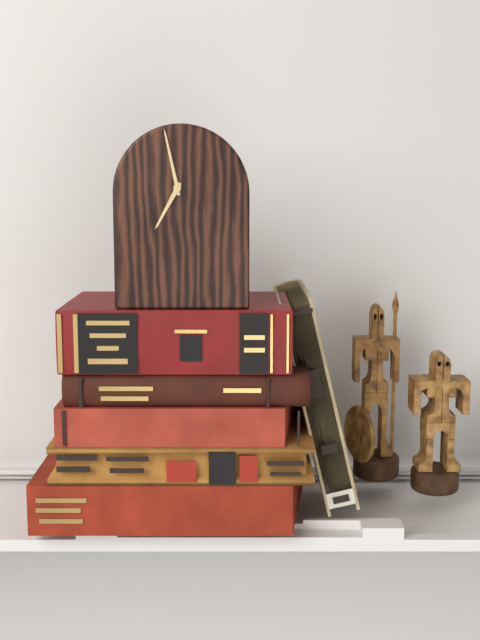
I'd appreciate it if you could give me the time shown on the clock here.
6:58
